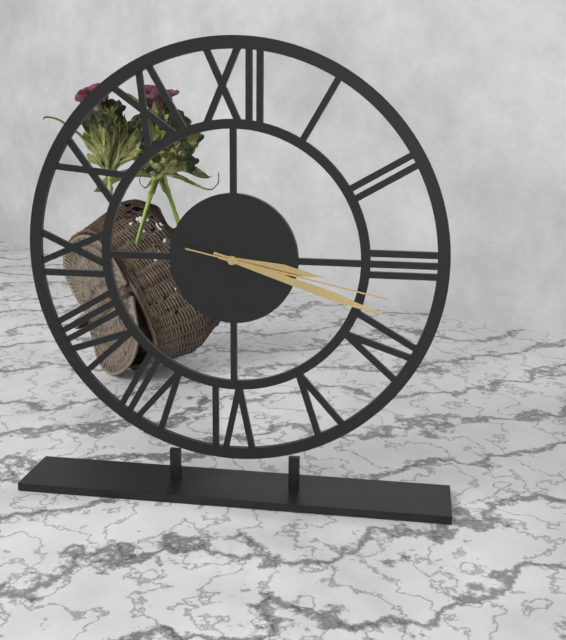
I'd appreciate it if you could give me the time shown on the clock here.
3:18:17
